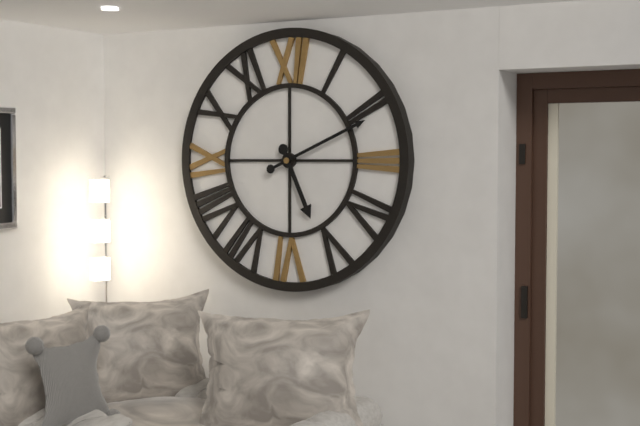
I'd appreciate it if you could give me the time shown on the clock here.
5:11
